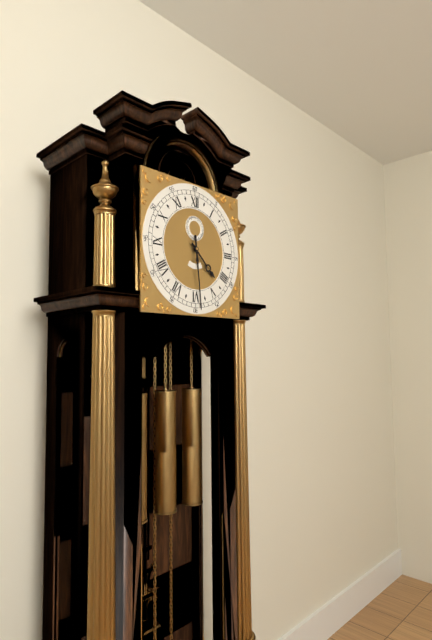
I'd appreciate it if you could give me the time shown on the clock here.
4:29
